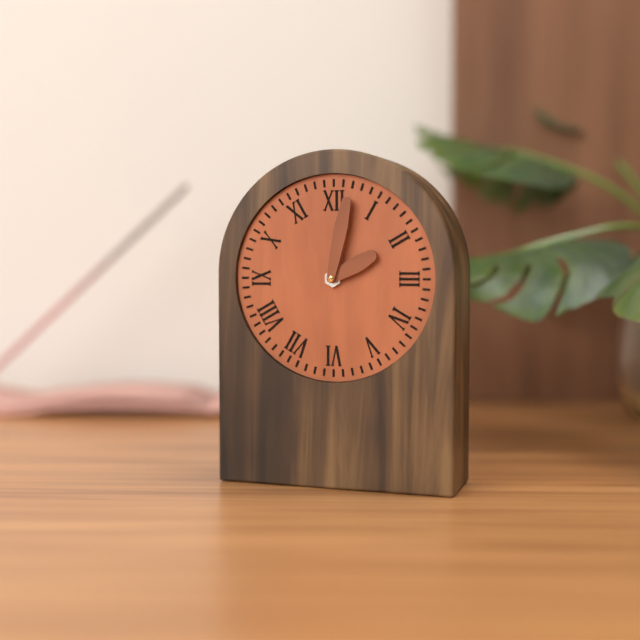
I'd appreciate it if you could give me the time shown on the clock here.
2:02
